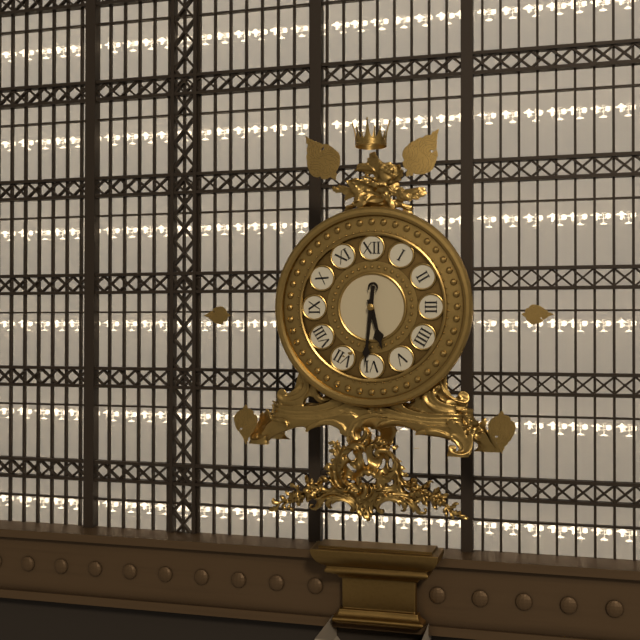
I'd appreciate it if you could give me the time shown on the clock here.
5:31
